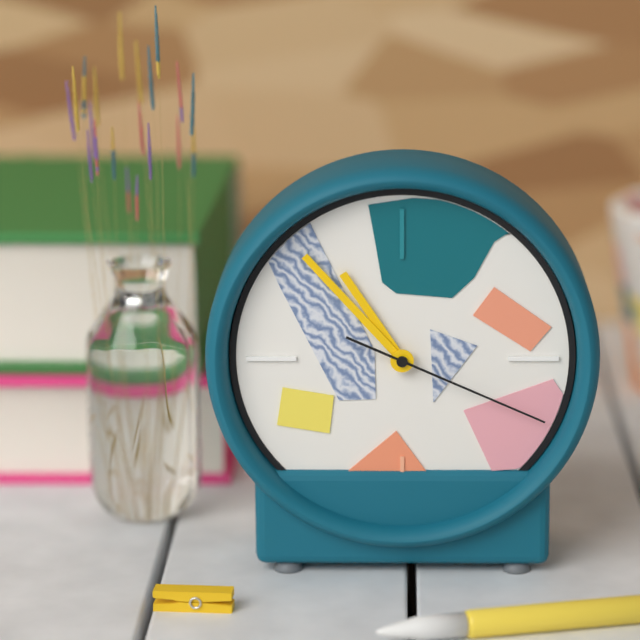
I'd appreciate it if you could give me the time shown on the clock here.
10:53:19
